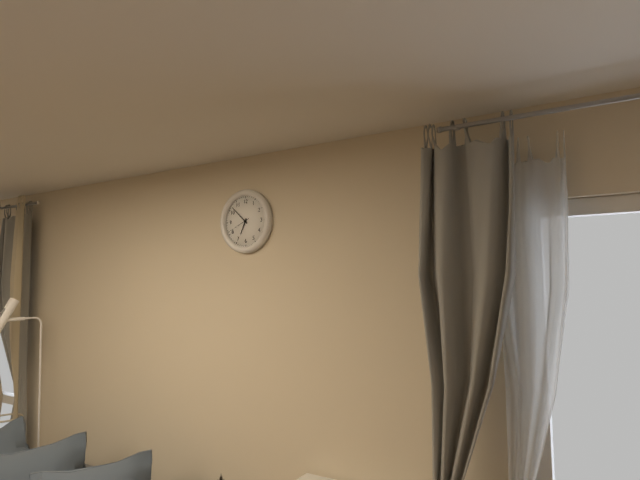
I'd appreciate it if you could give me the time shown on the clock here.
6:52
